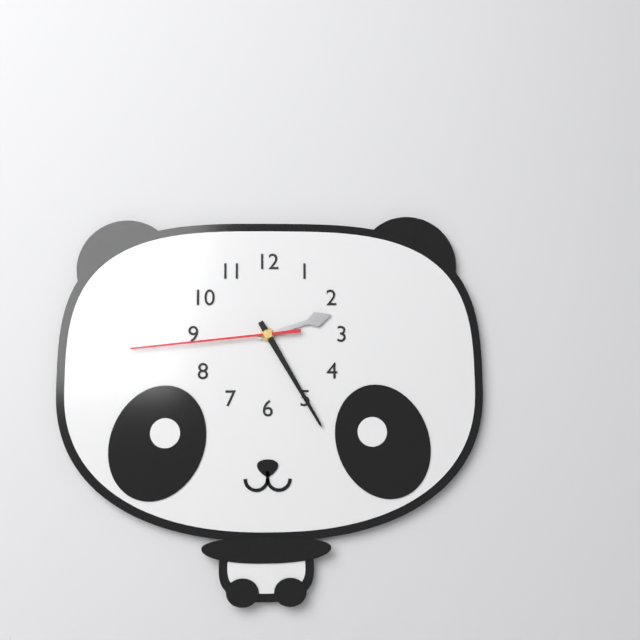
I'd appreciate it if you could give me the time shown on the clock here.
2:25:44
